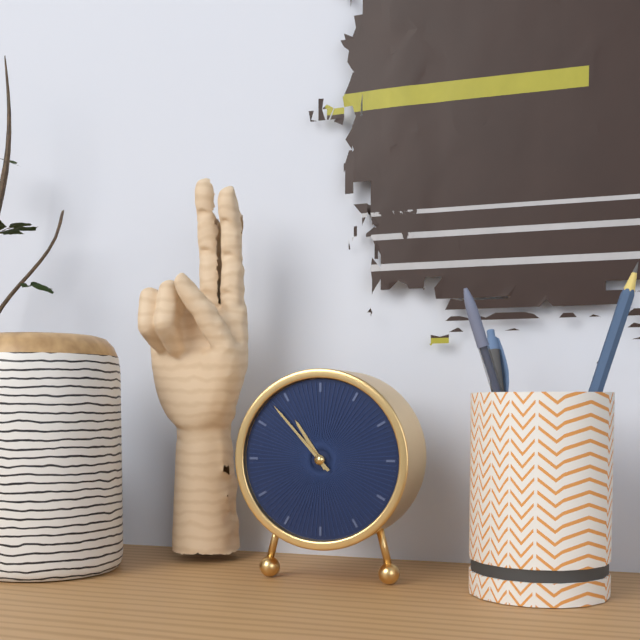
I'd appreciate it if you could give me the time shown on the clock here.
10:53
